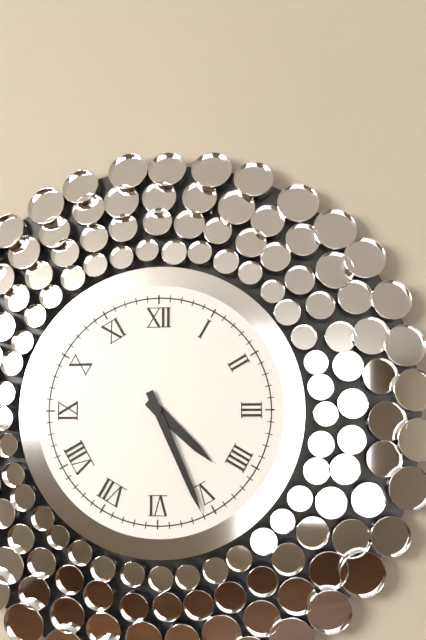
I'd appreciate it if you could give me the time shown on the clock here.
4:26
